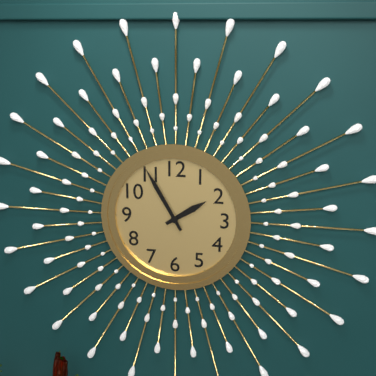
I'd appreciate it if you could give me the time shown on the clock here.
1:55
